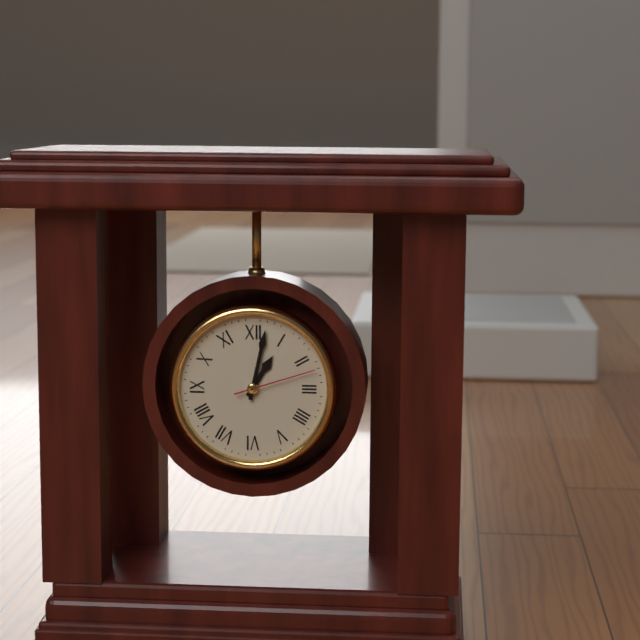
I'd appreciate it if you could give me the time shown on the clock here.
1:02:12
